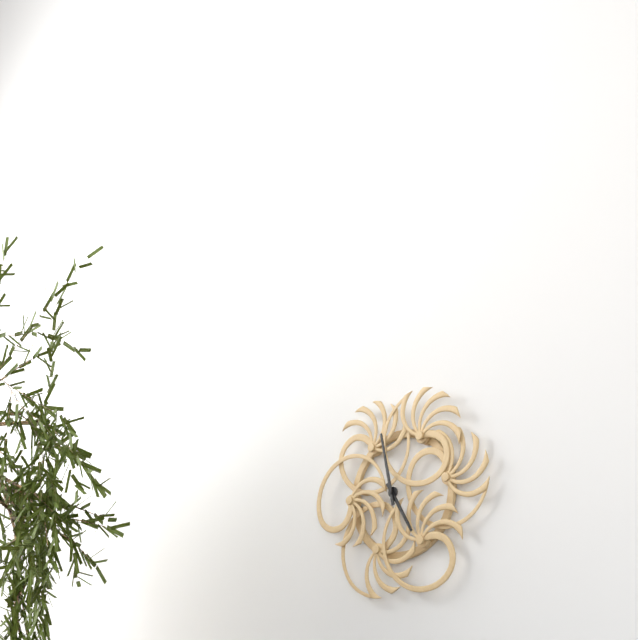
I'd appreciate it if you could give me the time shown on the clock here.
4:58
